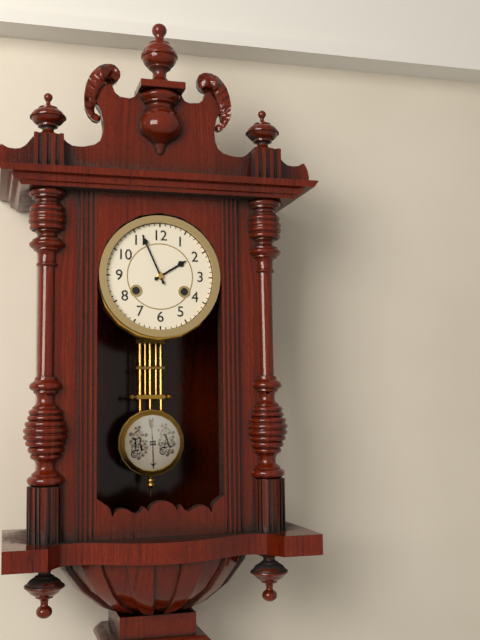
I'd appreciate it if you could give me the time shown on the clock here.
1:56
